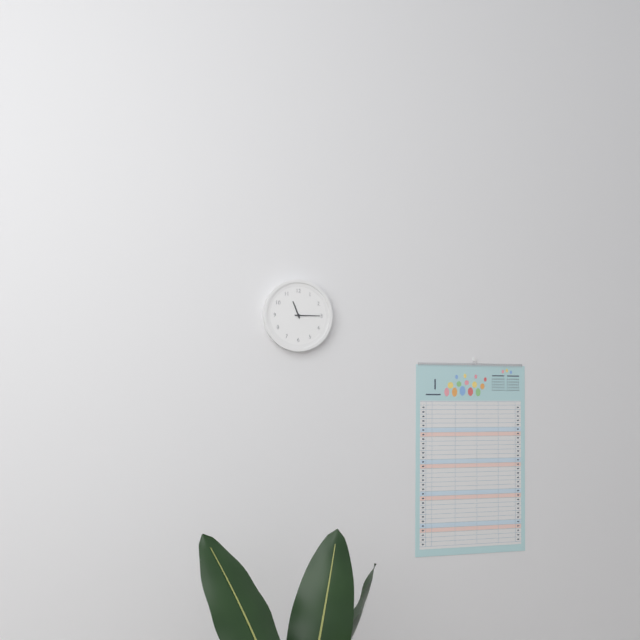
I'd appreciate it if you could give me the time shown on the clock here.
11:15
